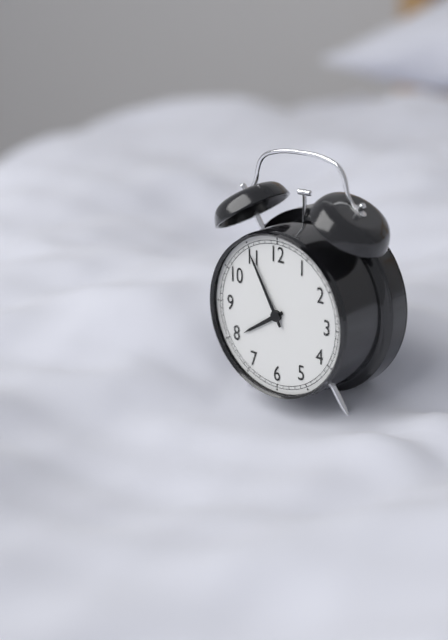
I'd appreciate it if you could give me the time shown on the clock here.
7:55
